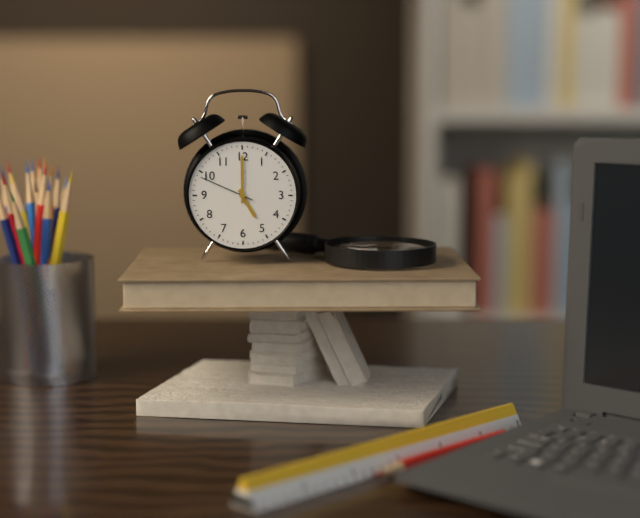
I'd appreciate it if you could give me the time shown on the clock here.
5:00:49
